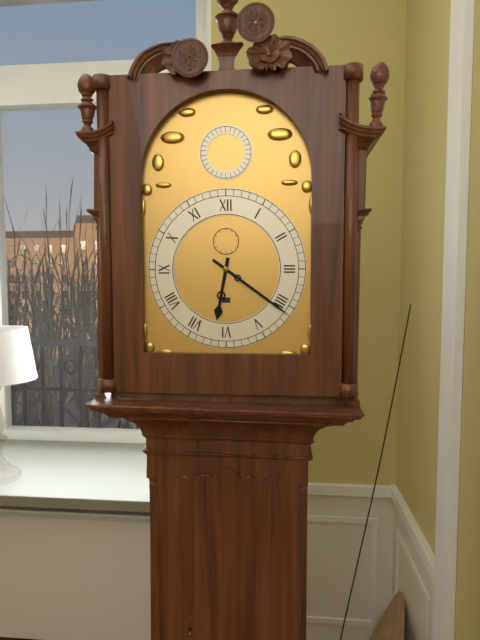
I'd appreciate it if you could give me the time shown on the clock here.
6:21
